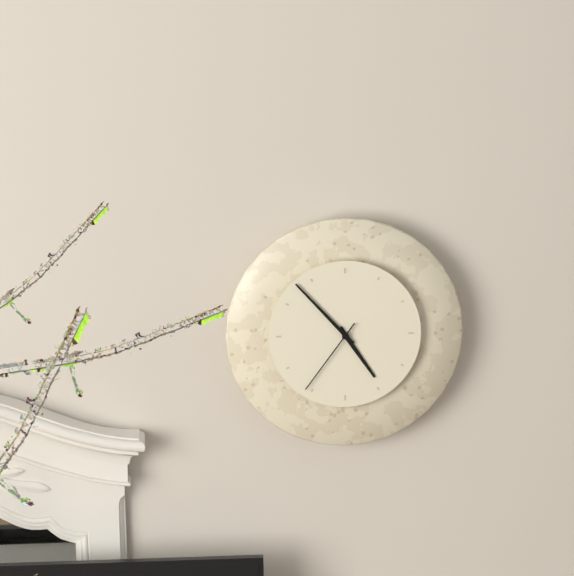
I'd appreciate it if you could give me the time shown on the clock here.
4:53:36
